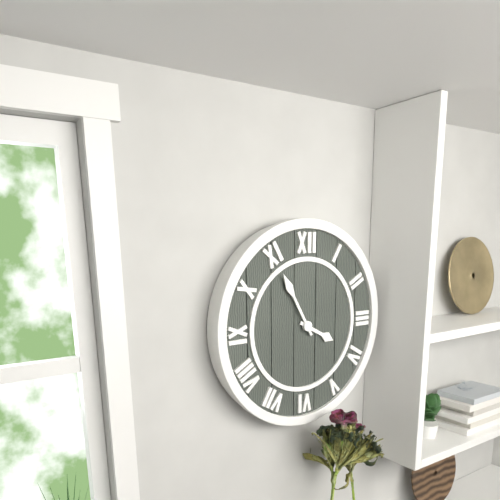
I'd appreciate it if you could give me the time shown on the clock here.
3:55
